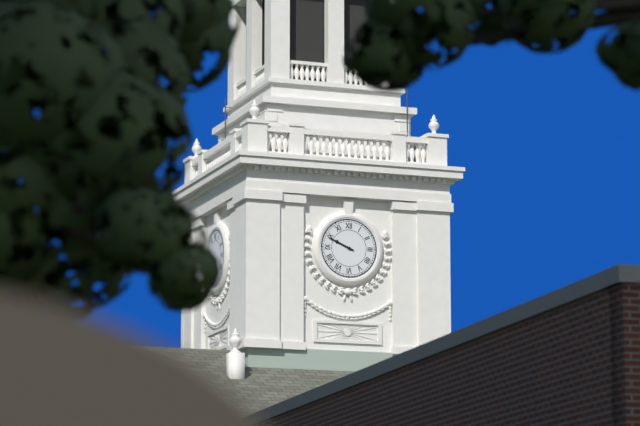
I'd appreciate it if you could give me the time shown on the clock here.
9:49
